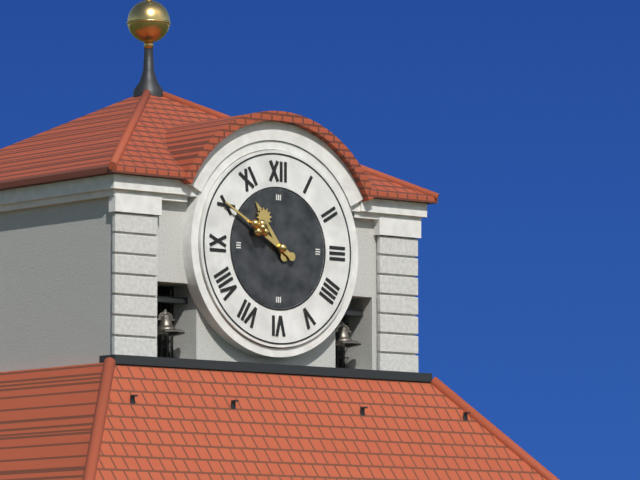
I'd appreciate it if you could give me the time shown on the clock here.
10:50
